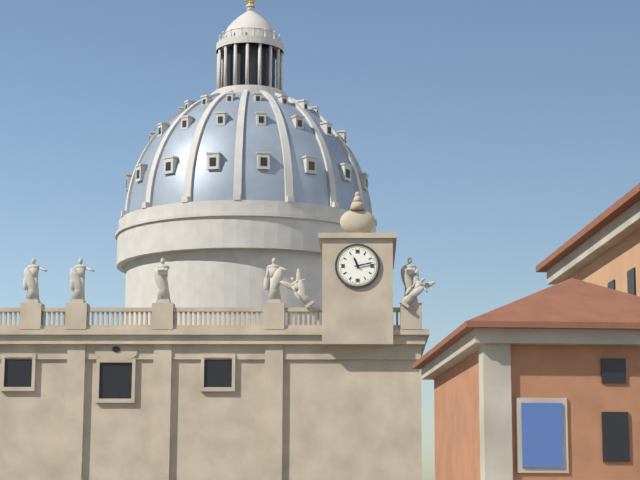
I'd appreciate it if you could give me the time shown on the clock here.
11:13
